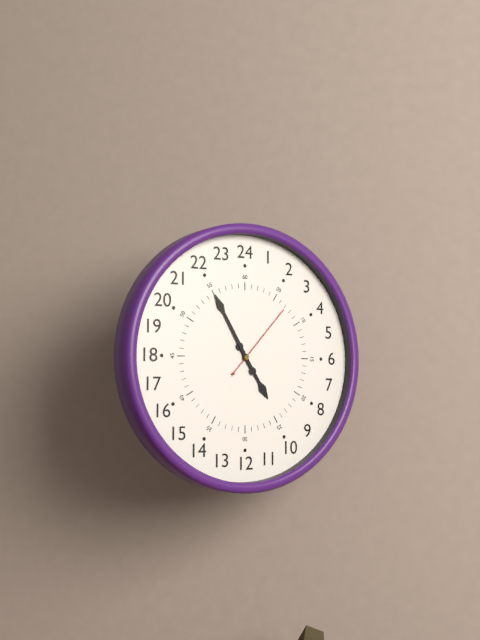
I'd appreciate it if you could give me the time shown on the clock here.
4:55:07
